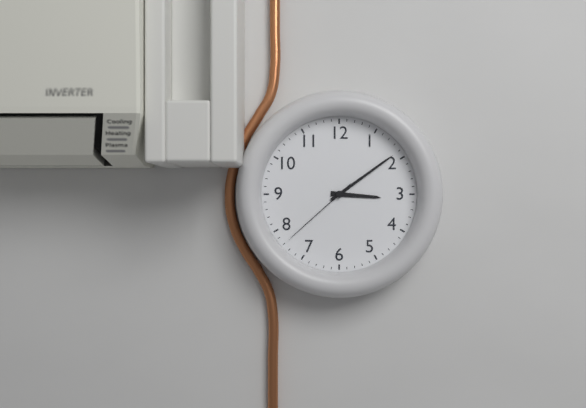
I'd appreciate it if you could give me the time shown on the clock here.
3:09:38
